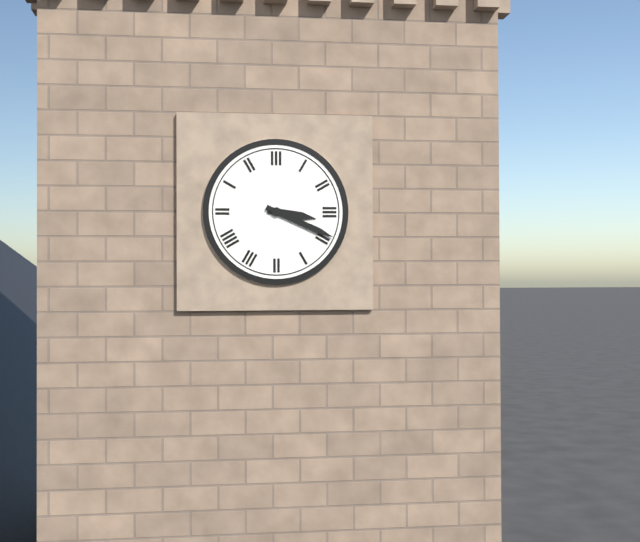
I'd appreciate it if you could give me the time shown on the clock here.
3:19
